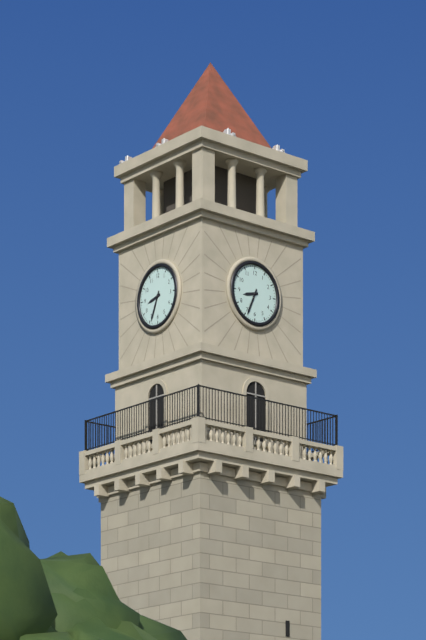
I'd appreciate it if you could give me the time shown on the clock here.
8:34
